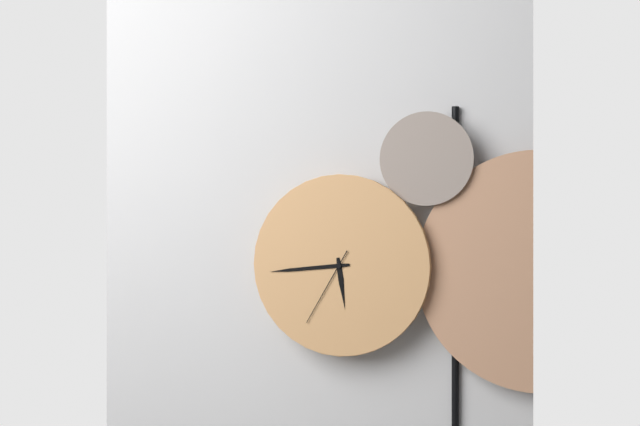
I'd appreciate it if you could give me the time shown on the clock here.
5:44:35
